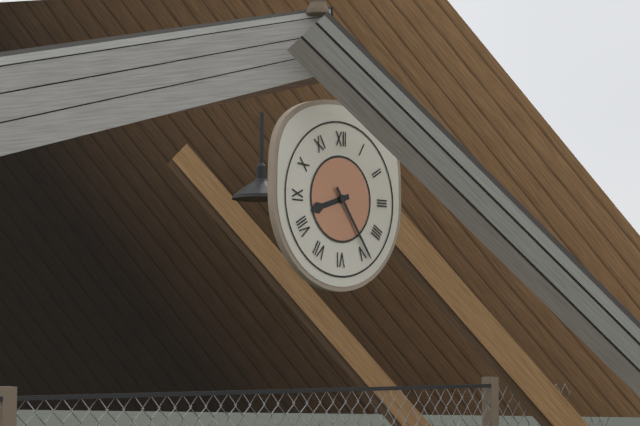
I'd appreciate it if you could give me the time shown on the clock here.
8:24
